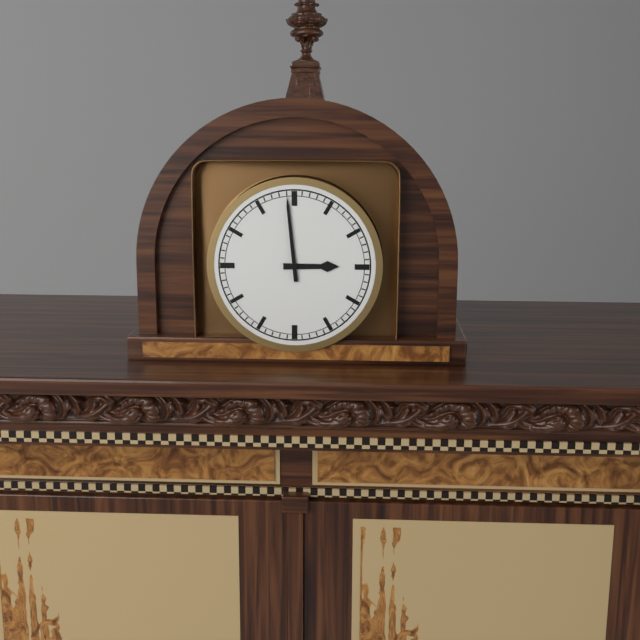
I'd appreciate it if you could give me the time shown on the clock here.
2:59
